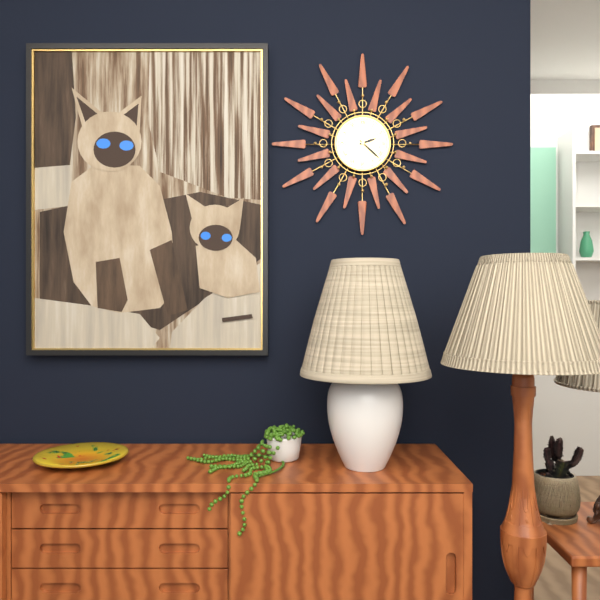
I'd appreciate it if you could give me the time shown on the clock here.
2:22
